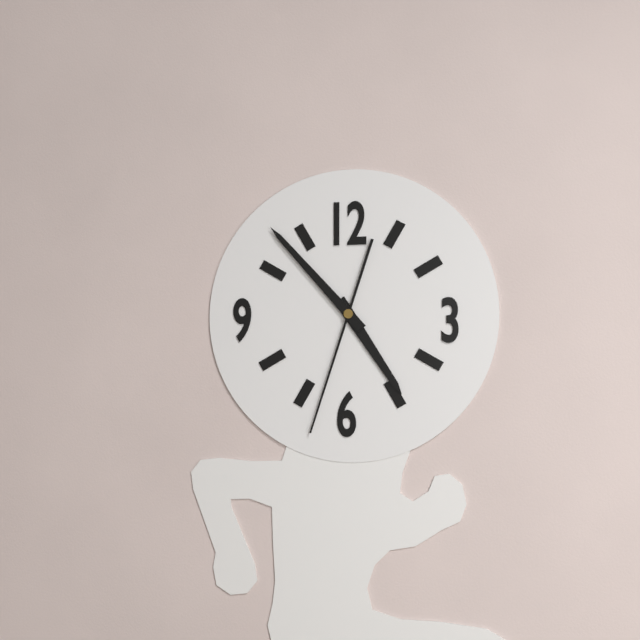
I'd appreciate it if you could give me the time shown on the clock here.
4:53:33
